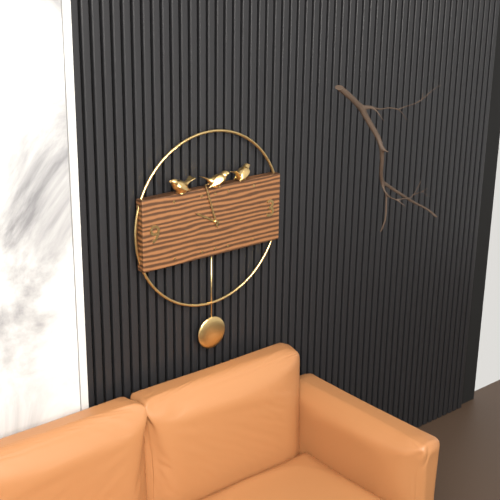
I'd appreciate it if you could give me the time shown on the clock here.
9:57
